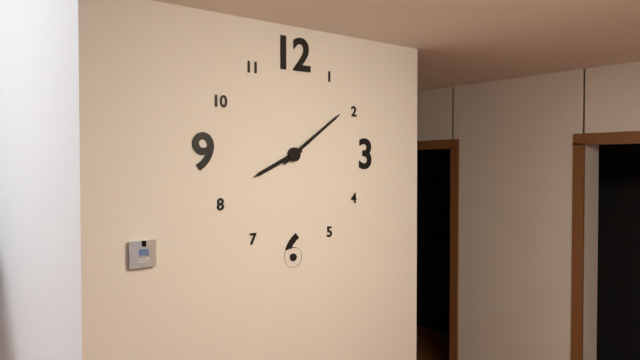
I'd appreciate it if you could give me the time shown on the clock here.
8:09
